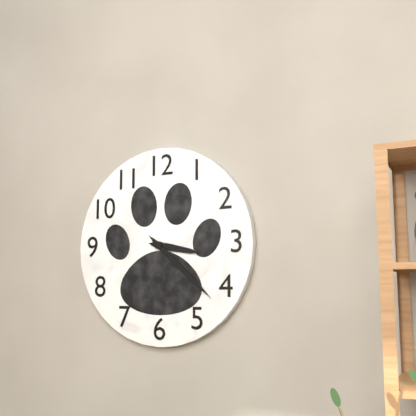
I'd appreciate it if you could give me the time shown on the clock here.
3:22
